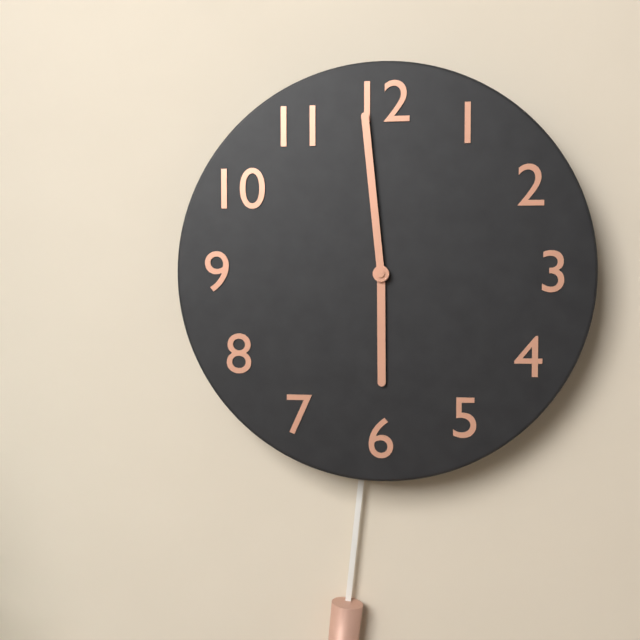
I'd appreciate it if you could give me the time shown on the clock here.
5:59
